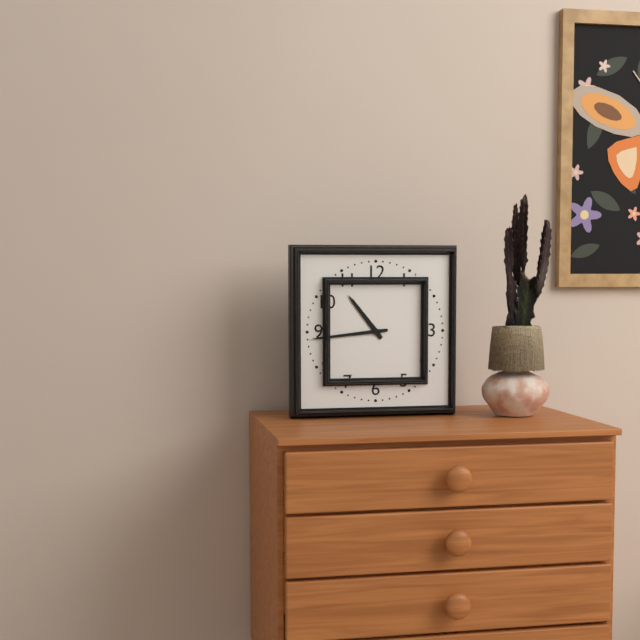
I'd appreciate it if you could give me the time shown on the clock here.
10:44
